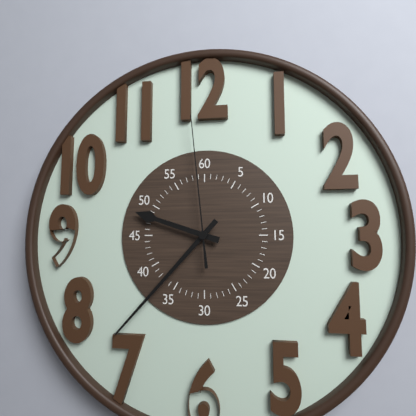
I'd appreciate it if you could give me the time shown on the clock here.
9:37:59
